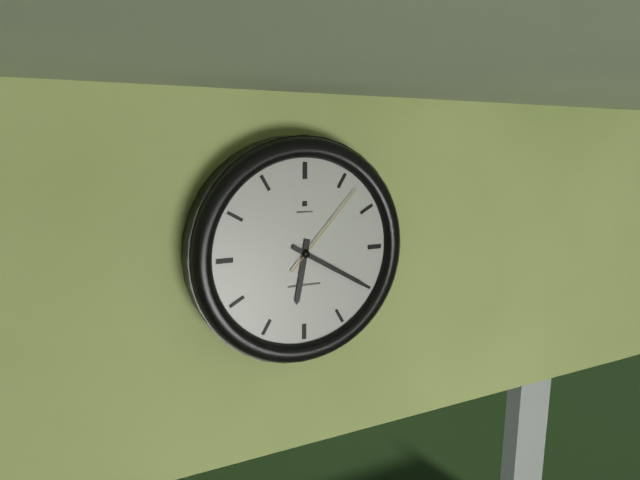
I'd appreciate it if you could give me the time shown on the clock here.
6:20:07
